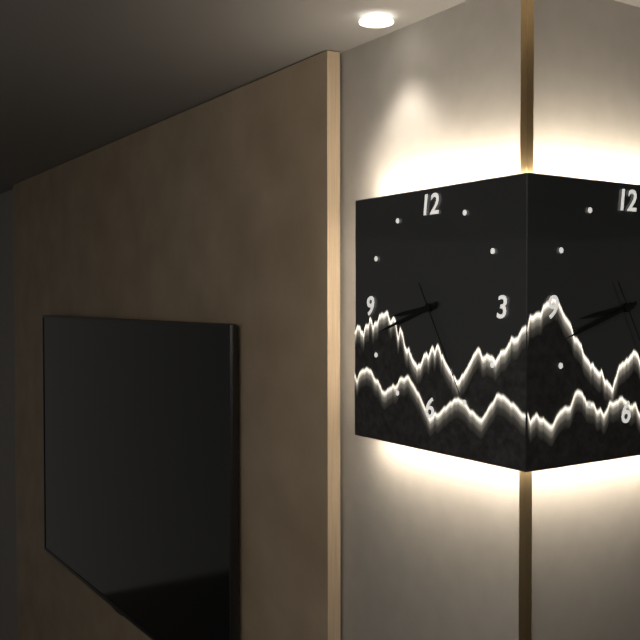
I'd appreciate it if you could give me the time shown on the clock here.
8:42:25
